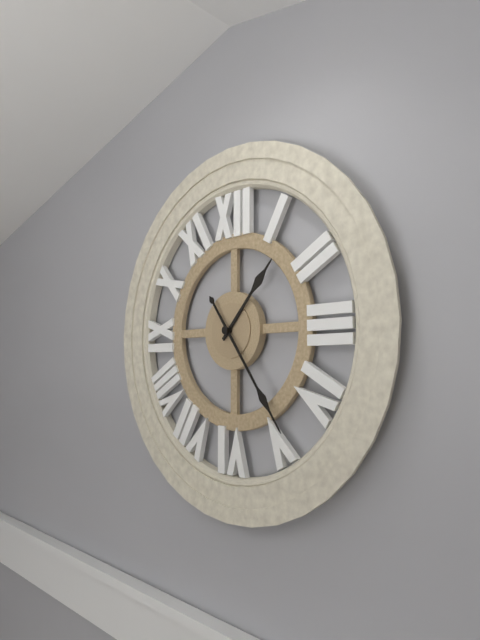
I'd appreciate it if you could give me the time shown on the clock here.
1:24
